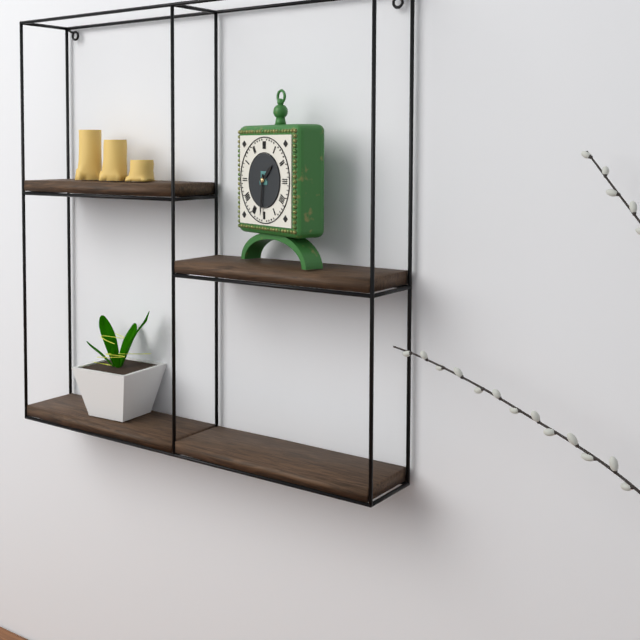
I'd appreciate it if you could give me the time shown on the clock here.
1:31
